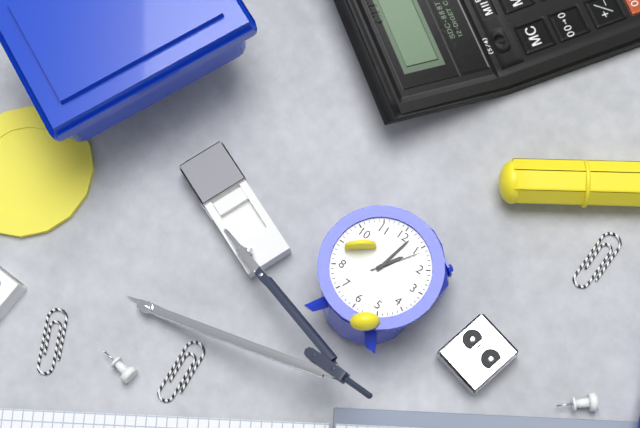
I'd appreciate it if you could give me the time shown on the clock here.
1:02:06
